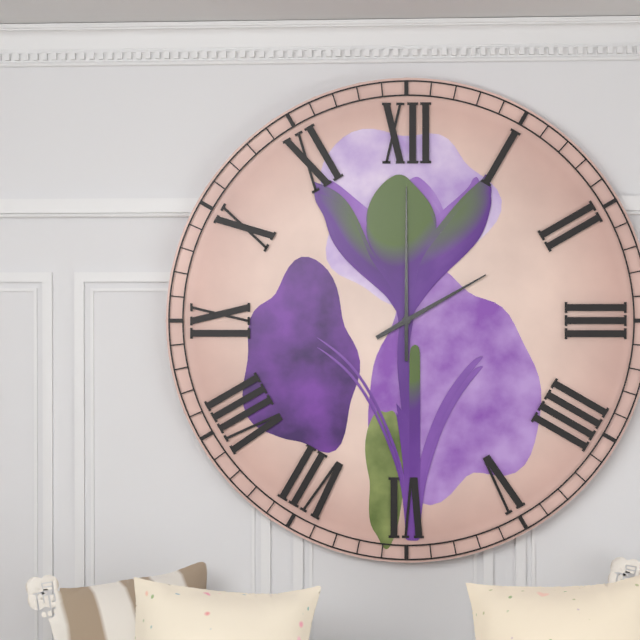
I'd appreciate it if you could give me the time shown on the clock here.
2:00
